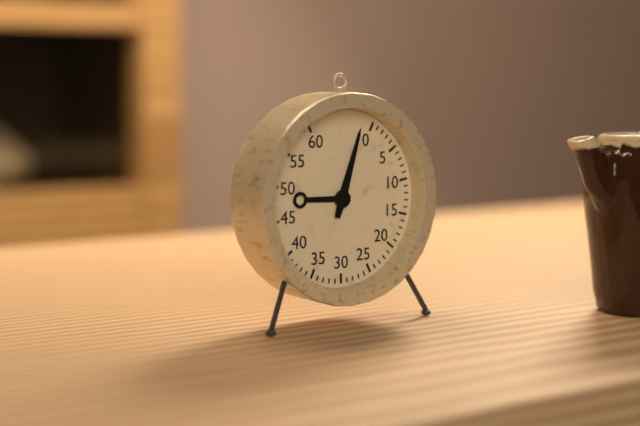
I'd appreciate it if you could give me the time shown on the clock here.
9:03
